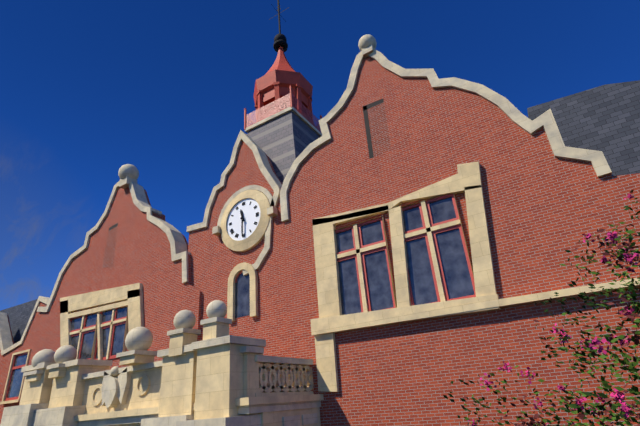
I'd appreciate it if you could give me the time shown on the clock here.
11:30
